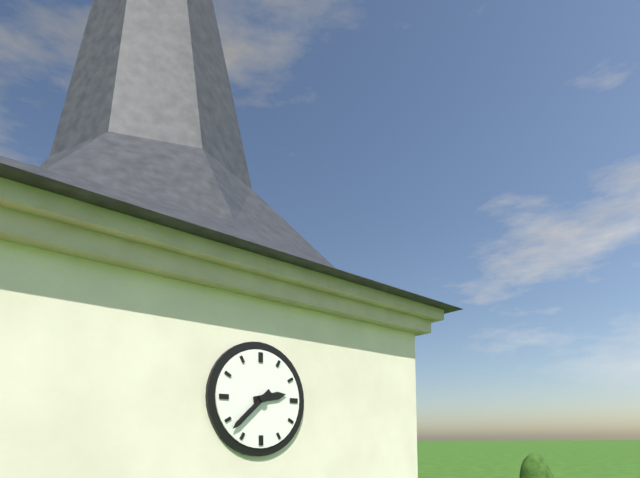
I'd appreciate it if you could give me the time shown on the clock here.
2:38
